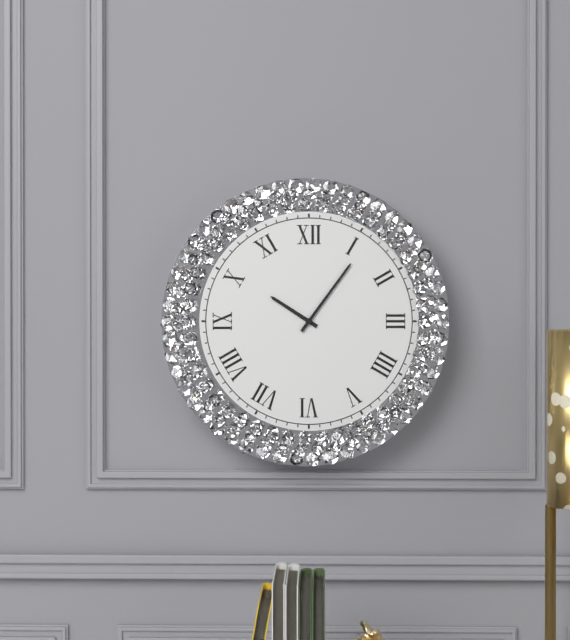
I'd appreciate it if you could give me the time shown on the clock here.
10:06
